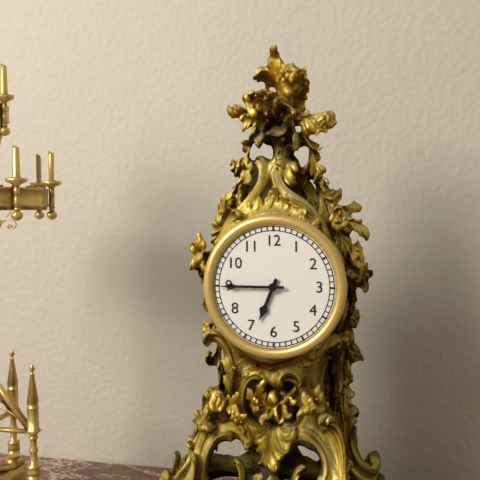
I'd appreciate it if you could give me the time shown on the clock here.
6:45
